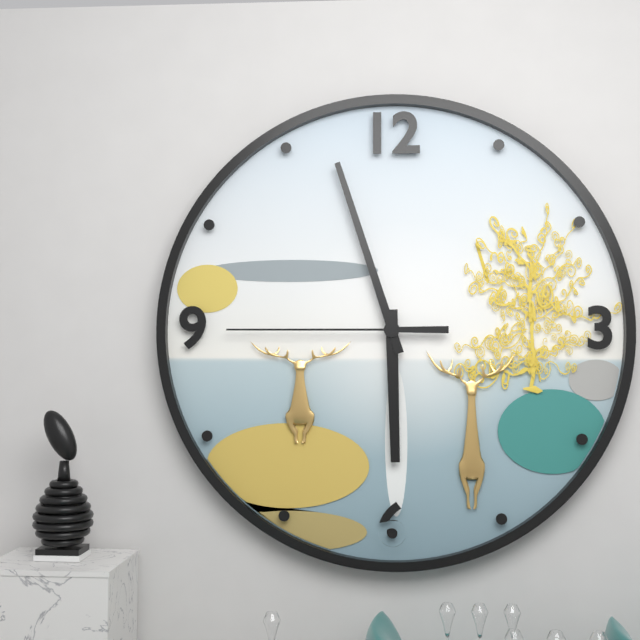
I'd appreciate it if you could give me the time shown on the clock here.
5:57:45
